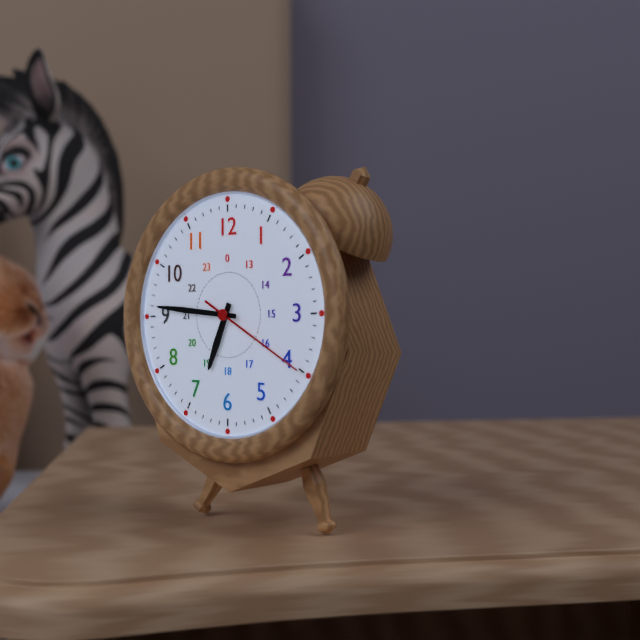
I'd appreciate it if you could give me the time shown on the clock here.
6:46:20
